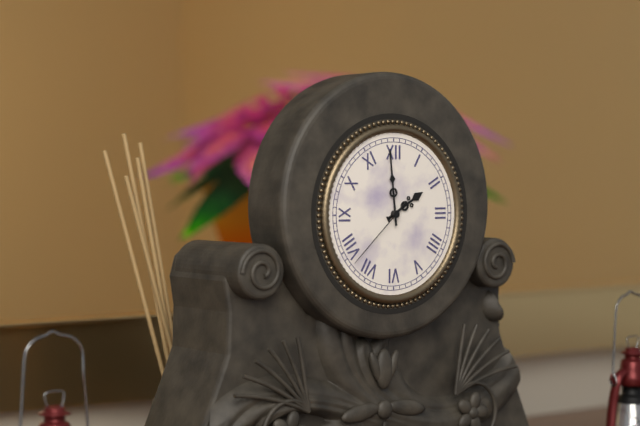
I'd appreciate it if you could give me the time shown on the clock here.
1:59:38
